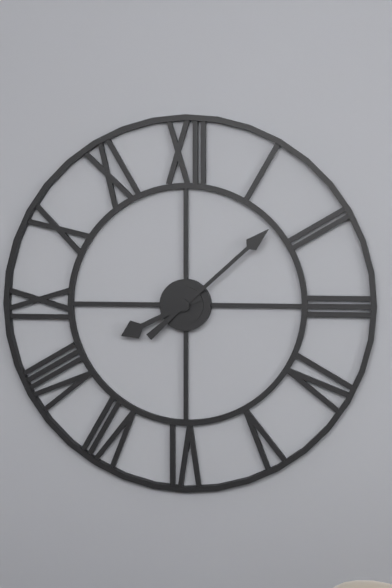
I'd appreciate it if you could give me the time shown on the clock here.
8:08
